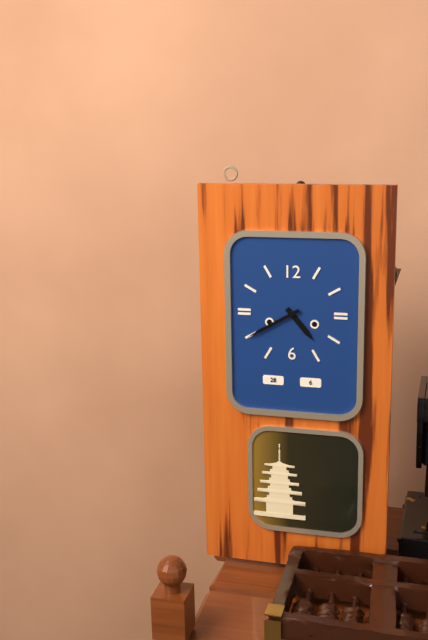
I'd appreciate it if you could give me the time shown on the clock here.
4:40
